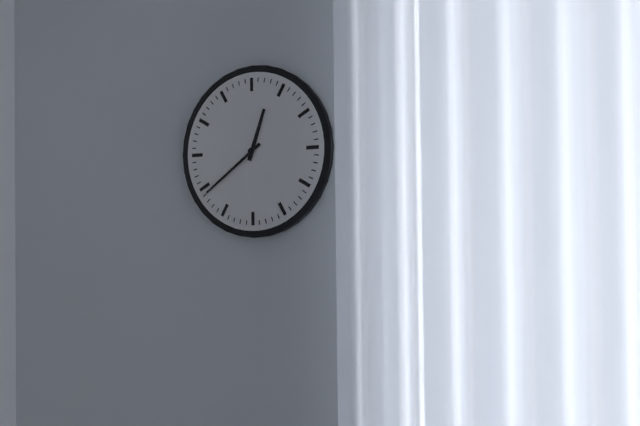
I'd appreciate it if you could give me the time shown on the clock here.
12:39
